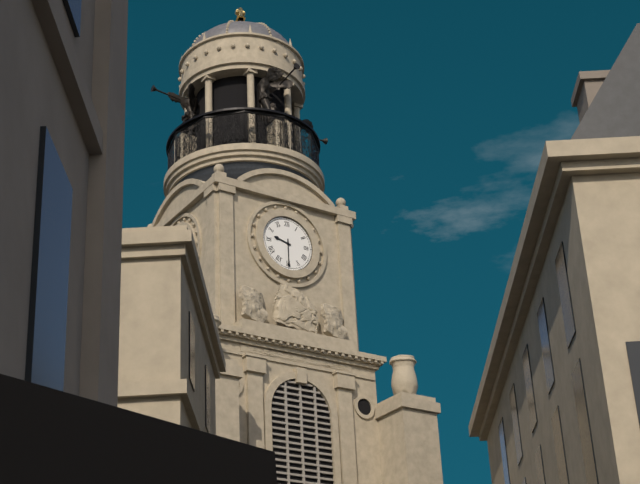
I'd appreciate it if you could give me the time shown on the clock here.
9:30
